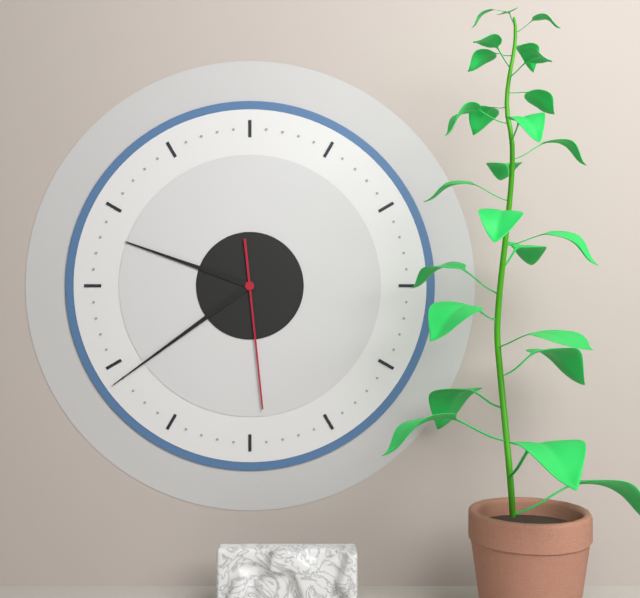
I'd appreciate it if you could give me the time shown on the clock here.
9:39:29
